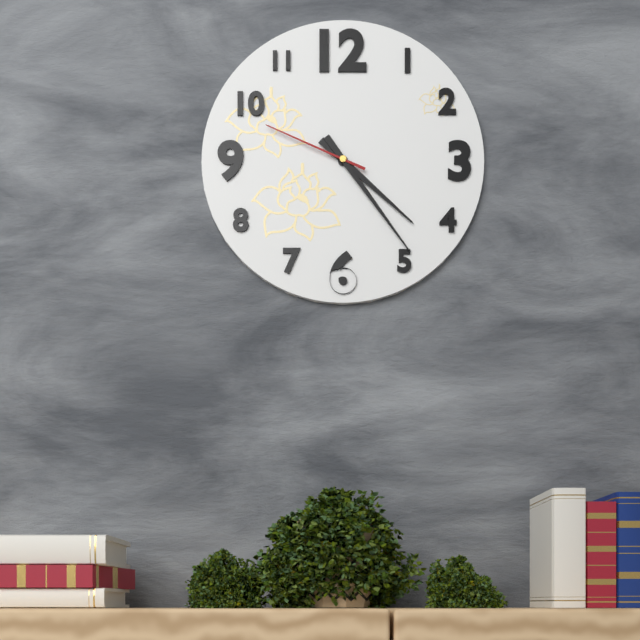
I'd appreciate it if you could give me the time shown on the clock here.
4:24:49
